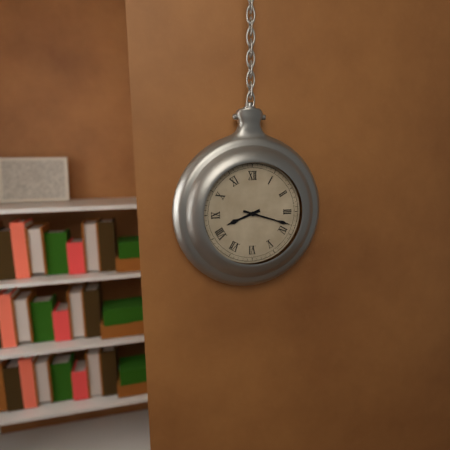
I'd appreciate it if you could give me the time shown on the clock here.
8:18
